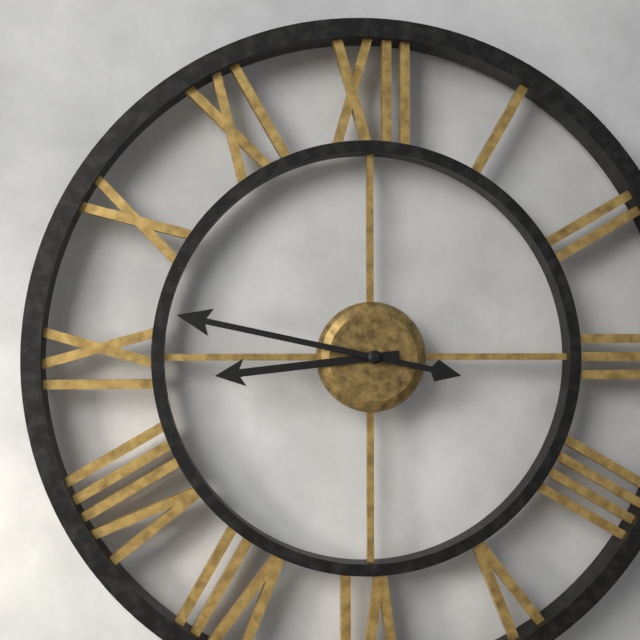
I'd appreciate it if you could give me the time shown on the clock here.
8:47
